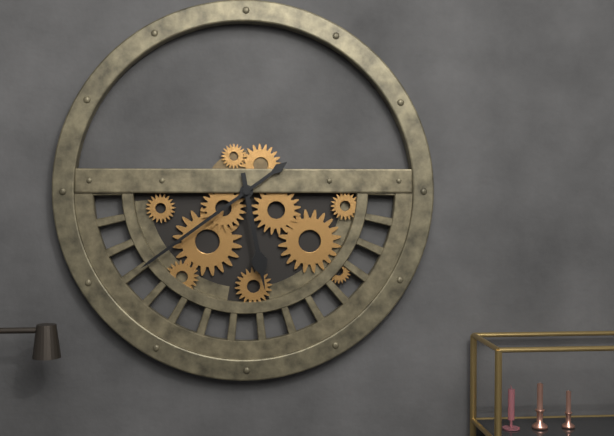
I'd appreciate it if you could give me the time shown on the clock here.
5:39
